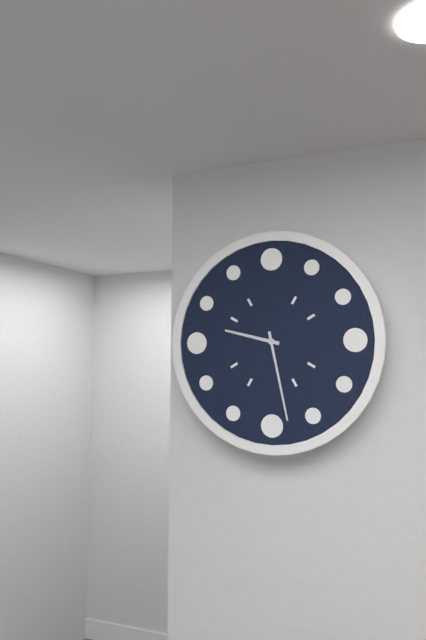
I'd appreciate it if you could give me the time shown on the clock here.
9:28
